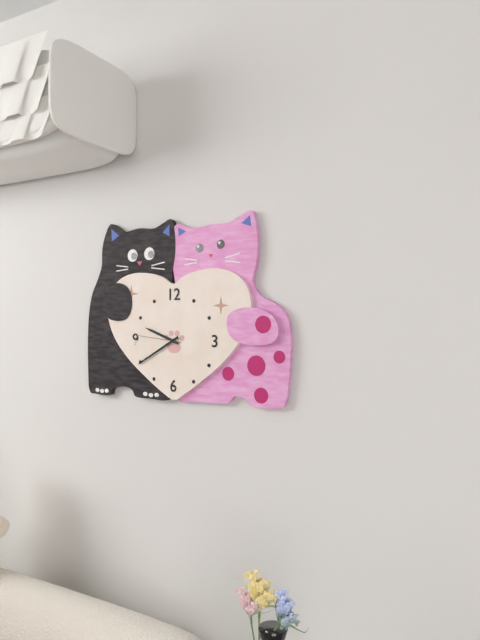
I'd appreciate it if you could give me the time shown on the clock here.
9:40:46
